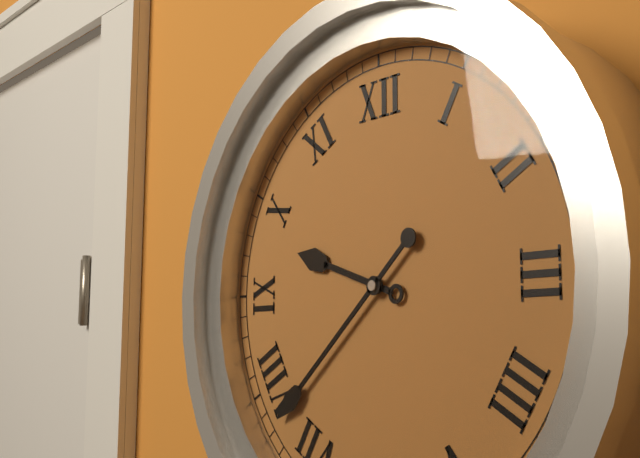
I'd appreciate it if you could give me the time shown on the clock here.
9:38
